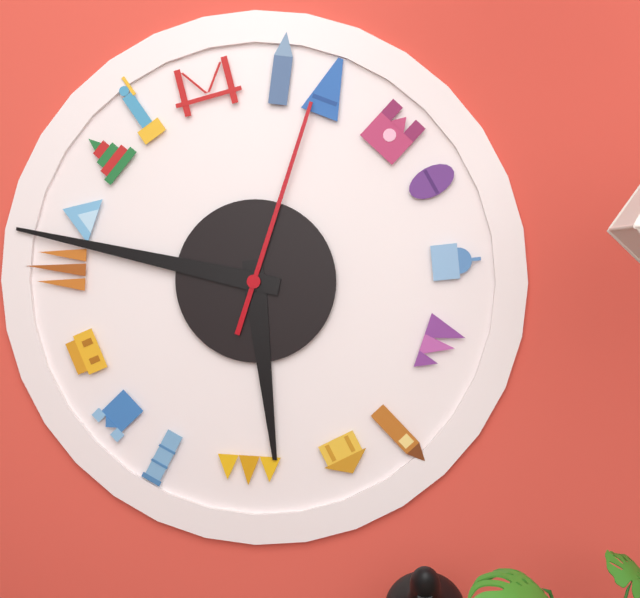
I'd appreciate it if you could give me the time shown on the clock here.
5:47:03
